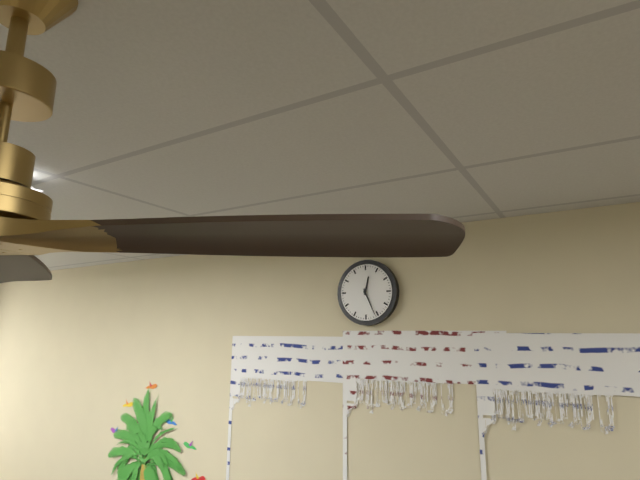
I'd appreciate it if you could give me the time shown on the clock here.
12:26
